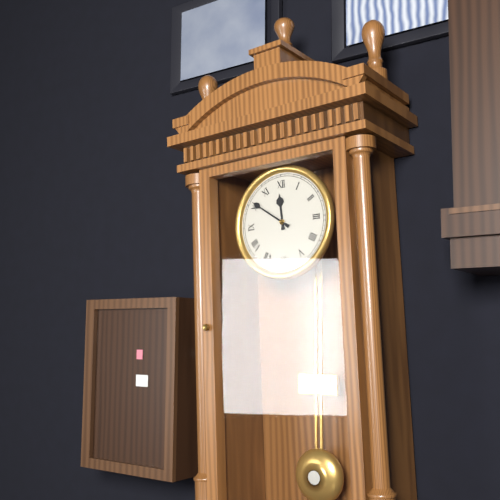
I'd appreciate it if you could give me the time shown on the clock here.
11:51
